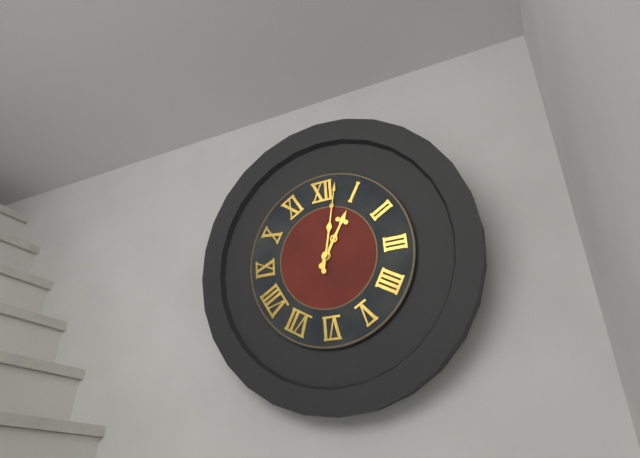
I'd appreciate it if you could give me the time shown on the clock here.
1:02
